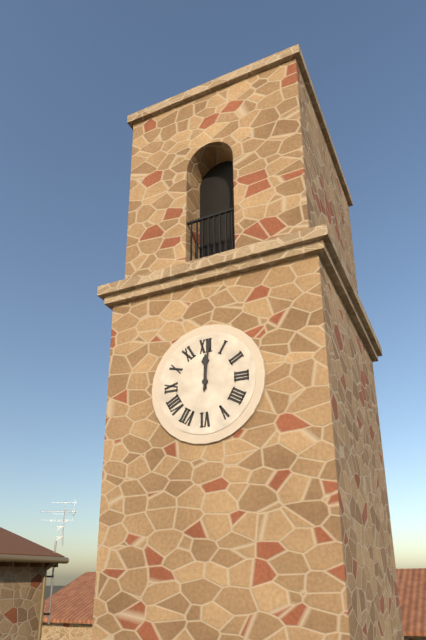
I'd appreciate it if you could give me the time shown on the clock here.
12:01
